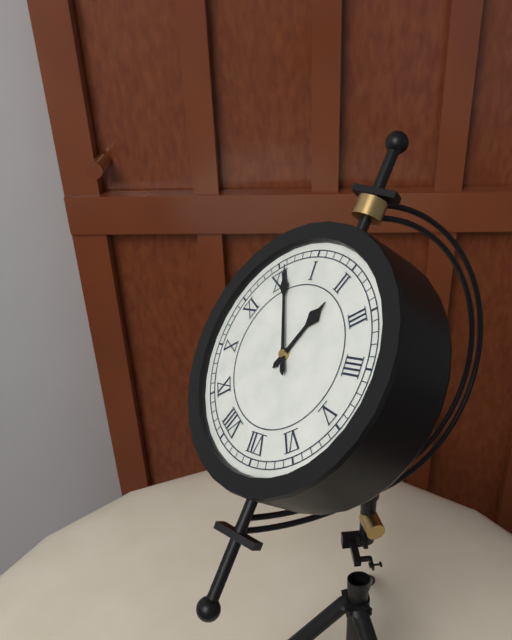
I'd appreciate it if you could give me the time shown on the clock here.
2:01
